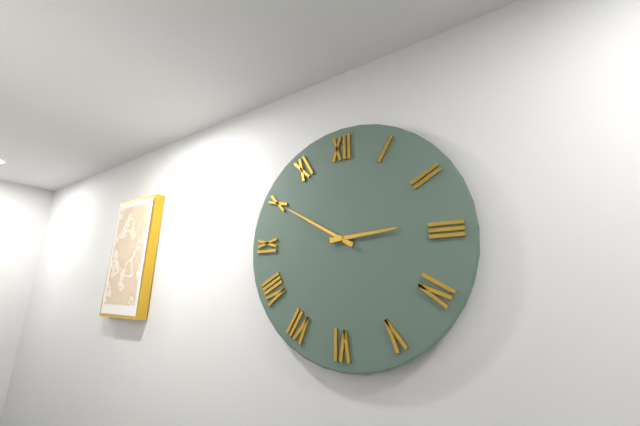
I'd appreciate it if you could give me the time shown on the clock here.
2:50
